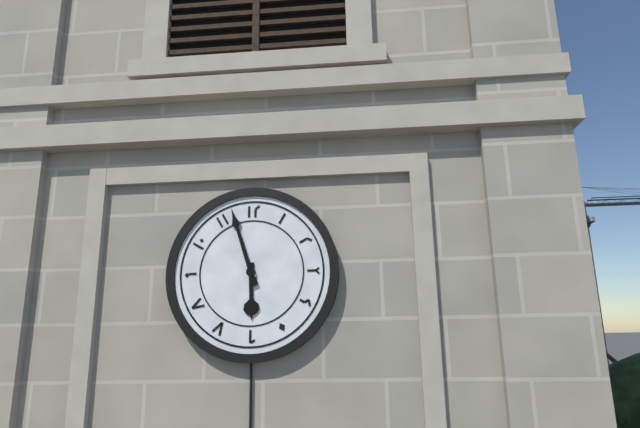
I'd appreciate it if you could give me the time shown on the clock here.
5:57
